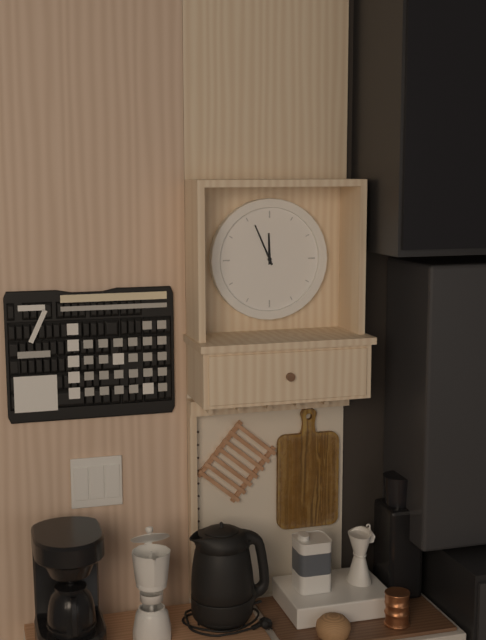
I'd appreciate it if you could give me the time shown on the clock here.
11:56
